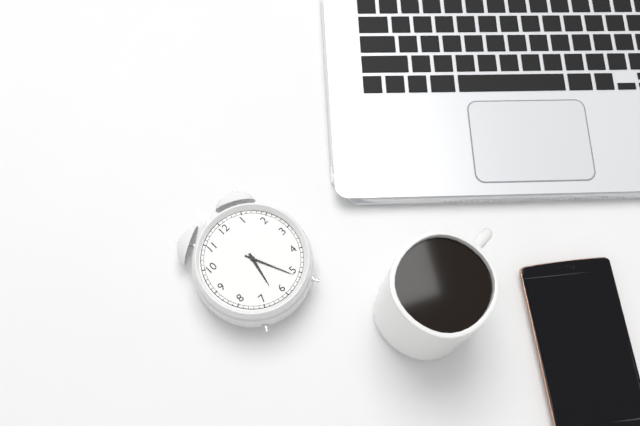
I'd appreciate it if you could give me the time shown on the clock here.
6:26
